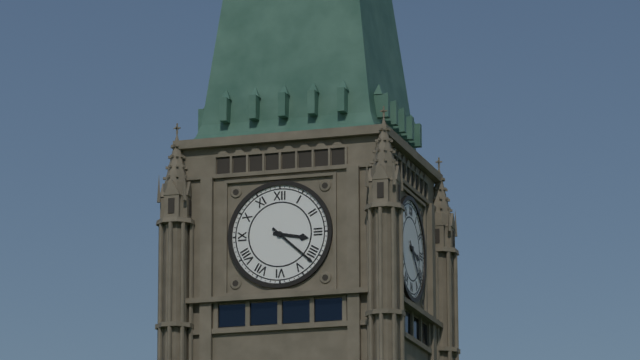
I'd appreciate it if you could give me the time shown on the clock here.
3:22
